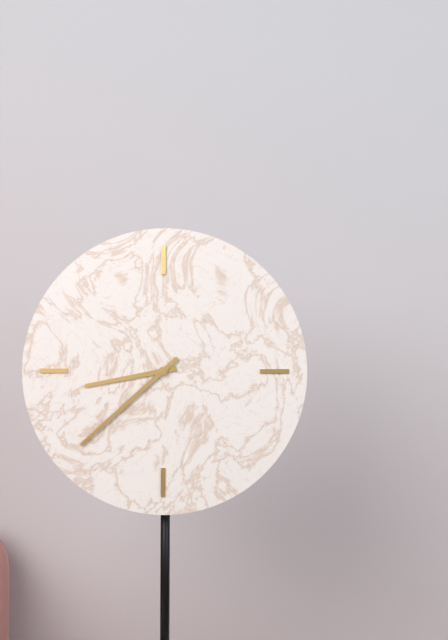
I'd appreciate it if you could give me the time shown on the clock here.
8:38
